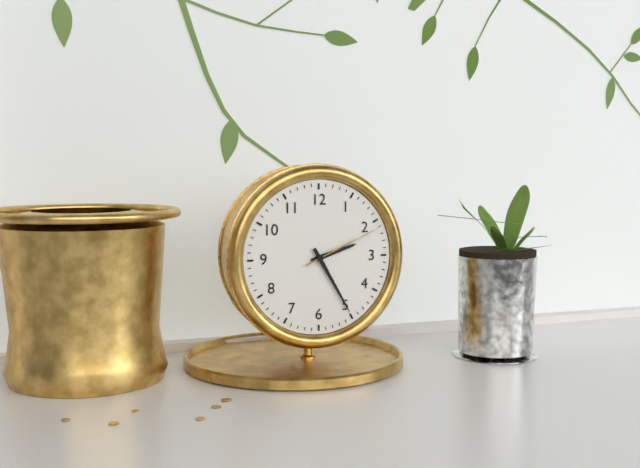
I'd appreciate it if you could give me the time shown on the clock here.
2:25:11
